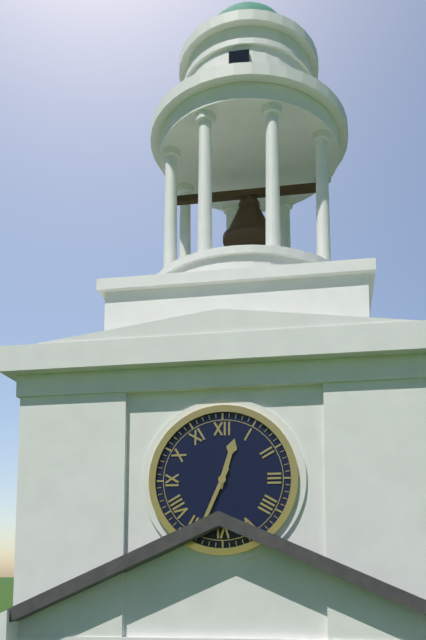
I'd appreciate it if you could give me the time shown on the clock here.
12:34
